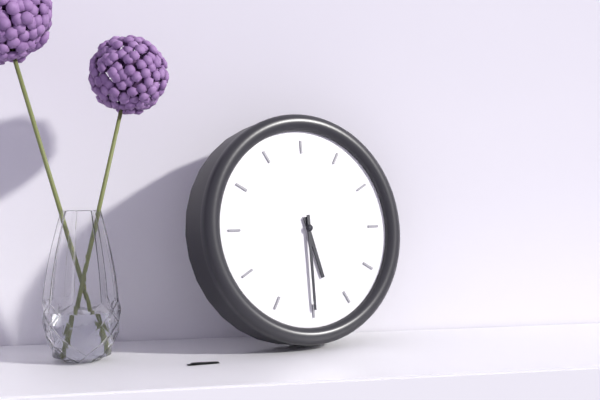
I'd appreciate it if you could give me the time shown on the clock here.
5:30
